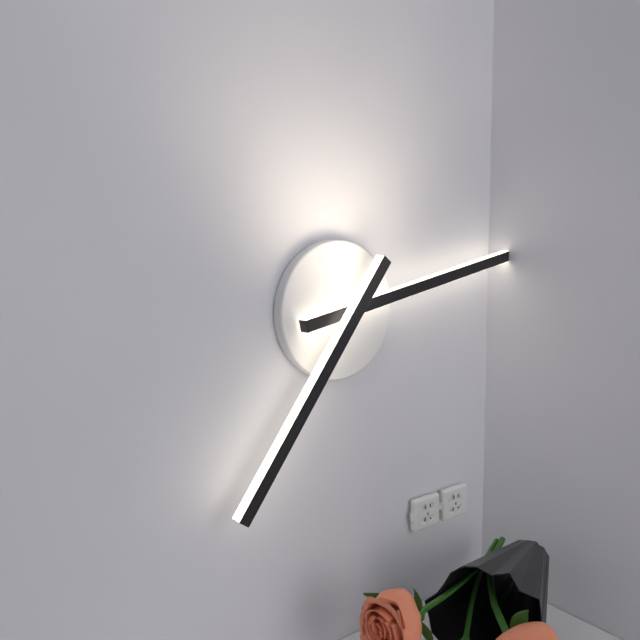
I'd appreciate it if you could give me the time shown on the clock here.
7:13
